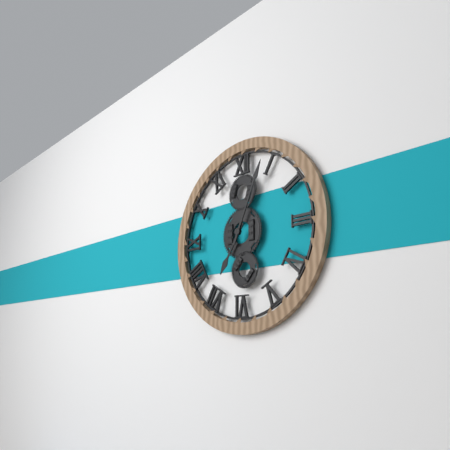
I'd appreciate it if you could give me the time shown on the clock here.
7:04
